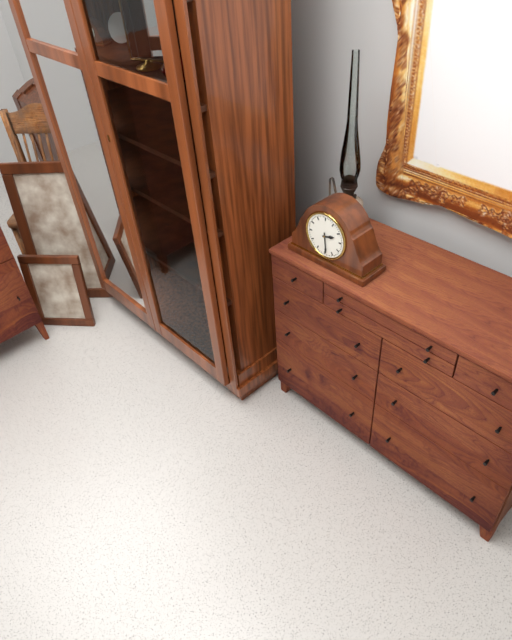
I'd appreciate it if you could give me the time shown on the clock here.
2:29
